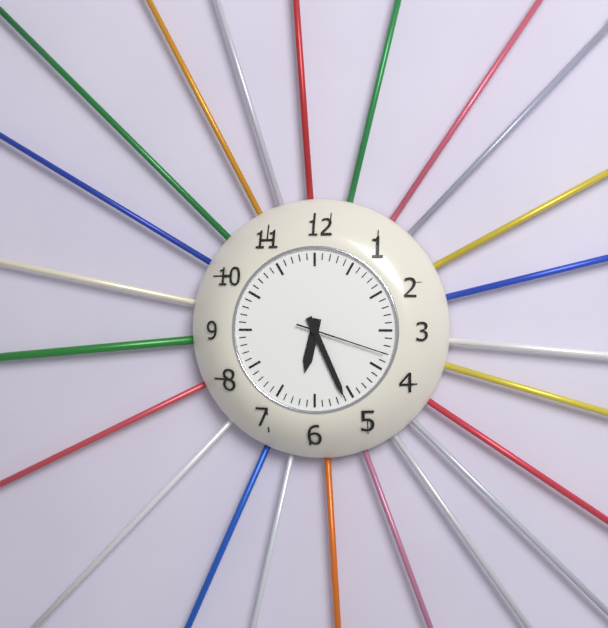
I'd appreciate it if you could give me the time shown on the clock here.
6:26:18
